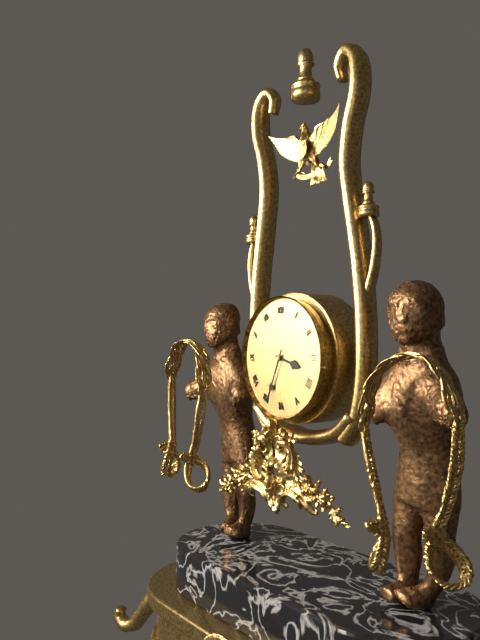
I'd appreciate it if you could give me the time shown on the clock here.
3:34
